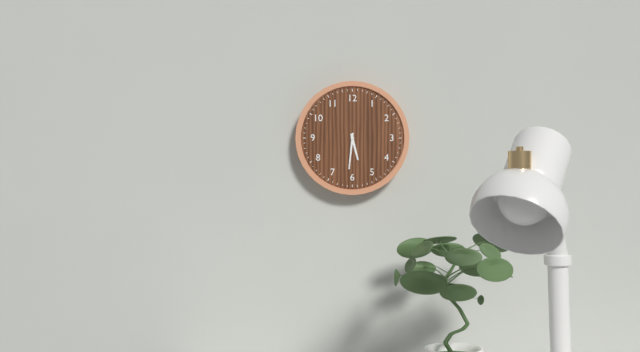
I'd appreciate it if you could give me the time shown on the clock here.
5:31
